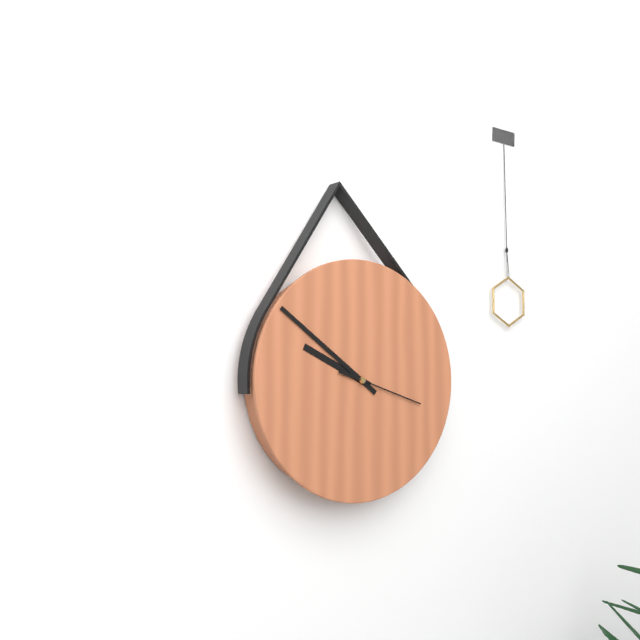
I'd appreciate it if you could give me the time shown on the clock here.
9:51:18
